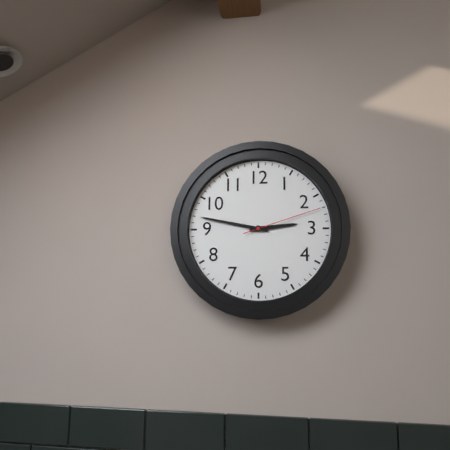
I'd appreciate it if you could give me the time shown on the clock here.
2:47:12
